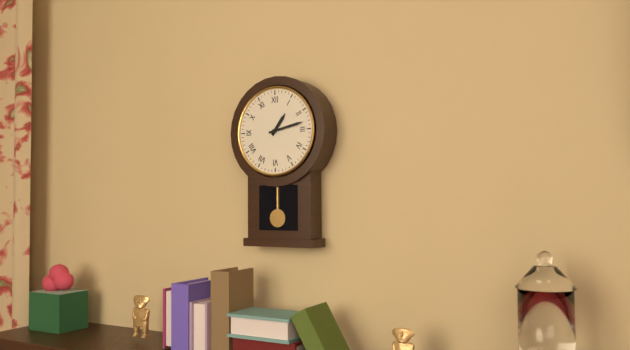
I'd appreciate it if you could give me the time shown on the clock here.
1:13
